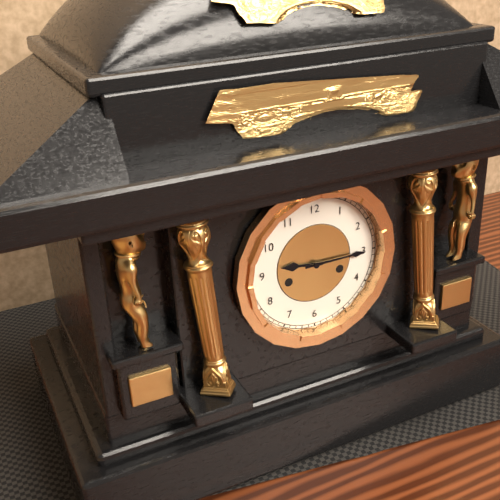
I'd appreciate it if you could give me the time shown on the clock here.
9:15
